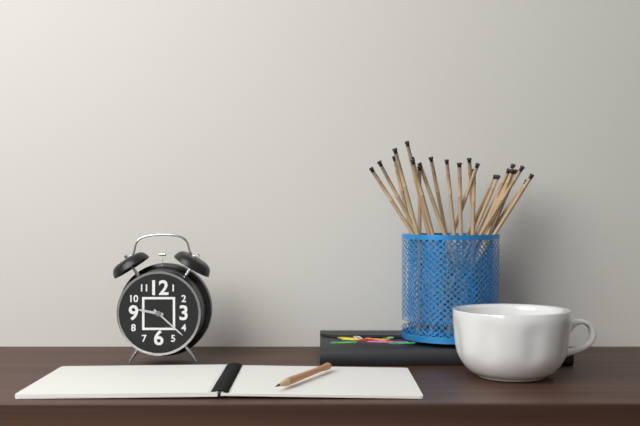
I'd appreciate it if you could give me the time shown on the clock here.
9:22
